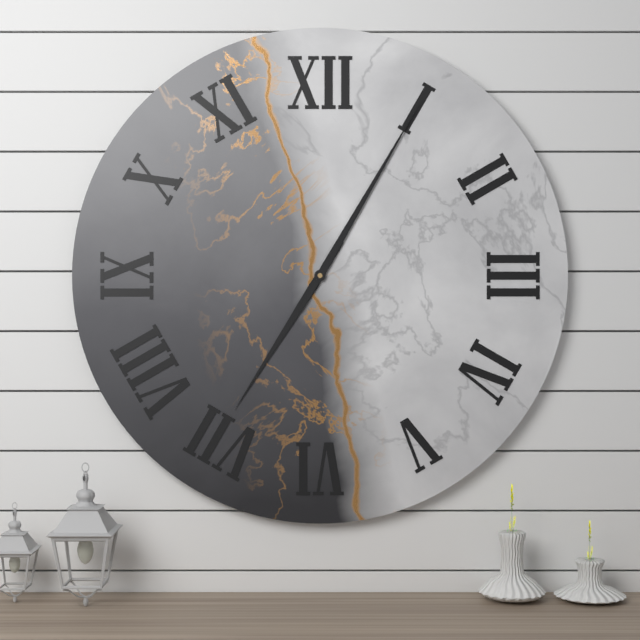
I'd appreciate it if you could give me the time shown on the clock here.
7:05
